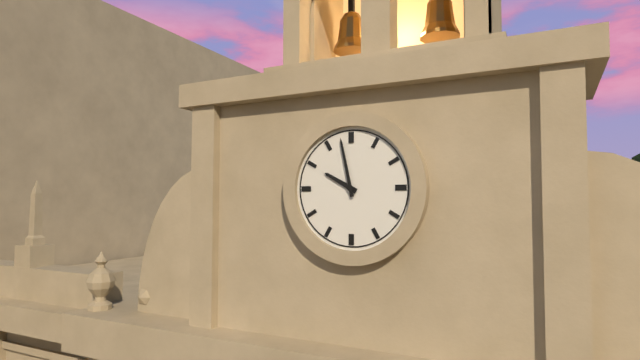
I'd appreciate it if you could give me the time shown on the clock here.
9:58
